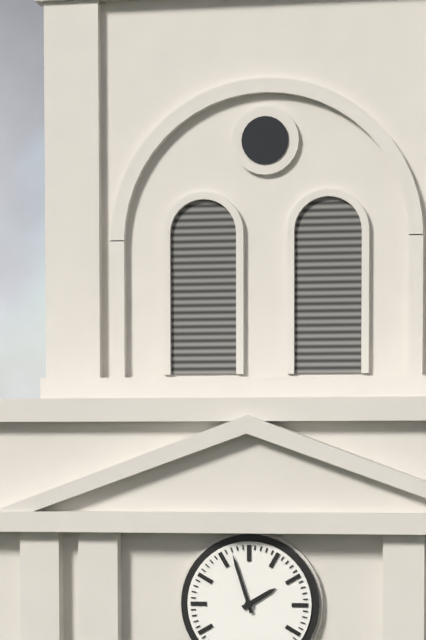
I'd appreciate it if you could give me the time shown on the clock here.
1:57
